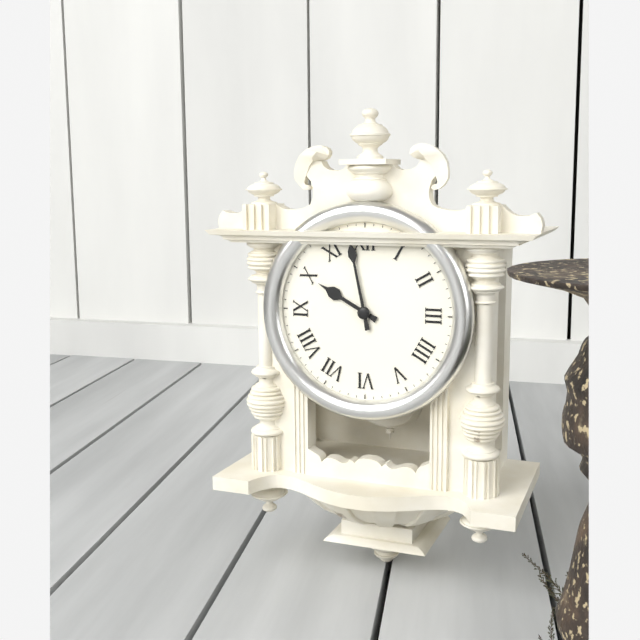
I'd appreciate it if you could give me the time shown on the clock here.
9:58
